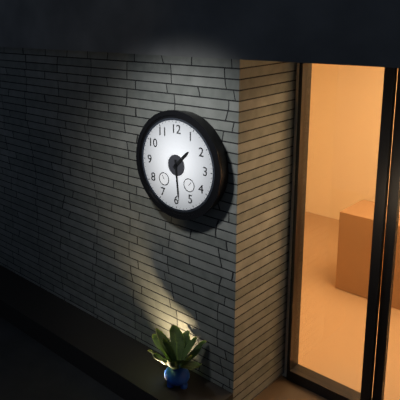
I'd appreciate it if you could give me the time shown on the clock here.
1:29
